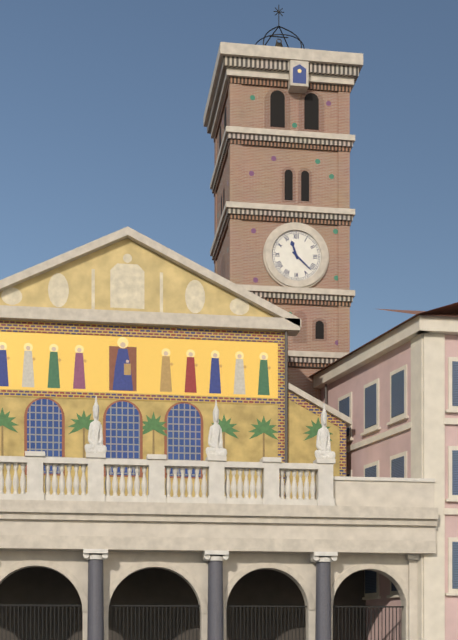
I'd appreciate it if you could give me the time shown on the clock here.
11:22
